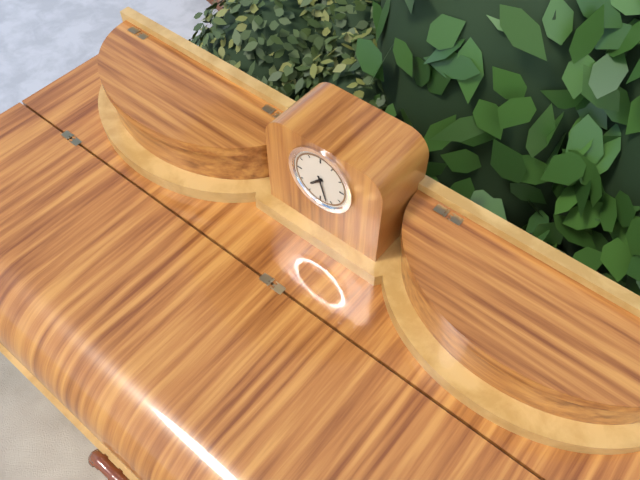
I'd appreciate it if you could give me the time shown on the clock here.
7:27
